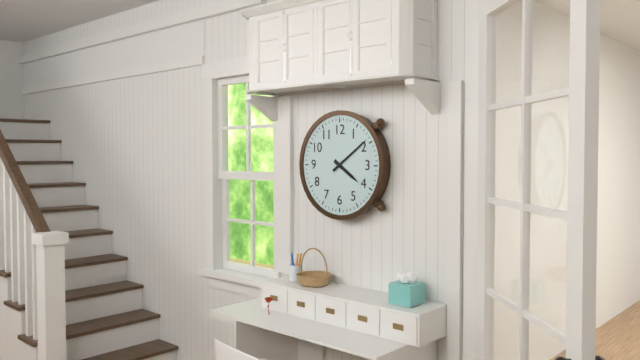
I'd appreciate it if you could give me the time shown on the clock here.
4:09
